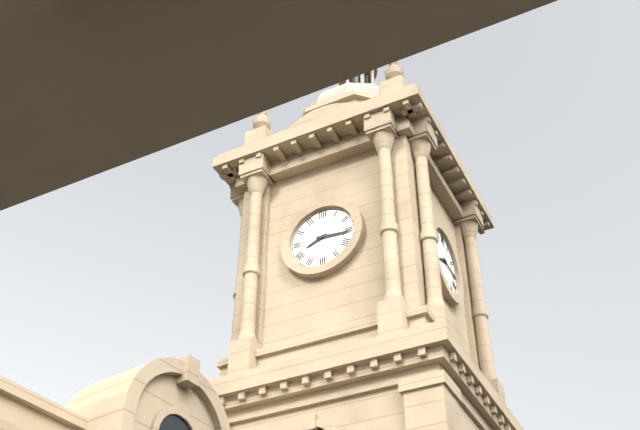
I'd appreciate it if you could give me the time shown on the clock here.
8:16
